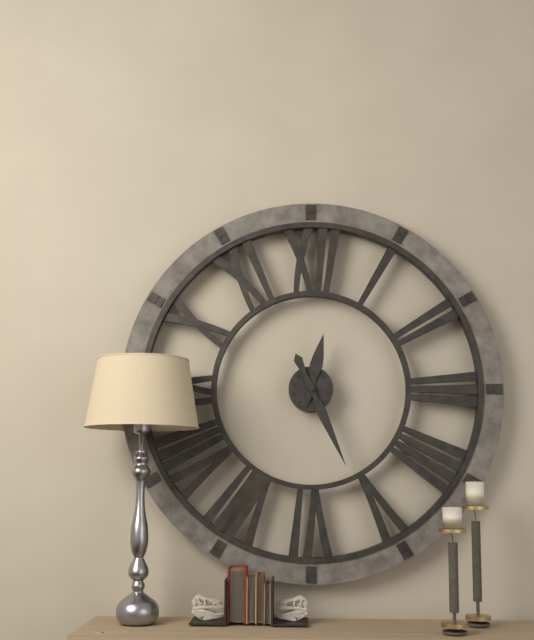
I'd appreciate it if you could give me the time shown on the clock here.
12:26
